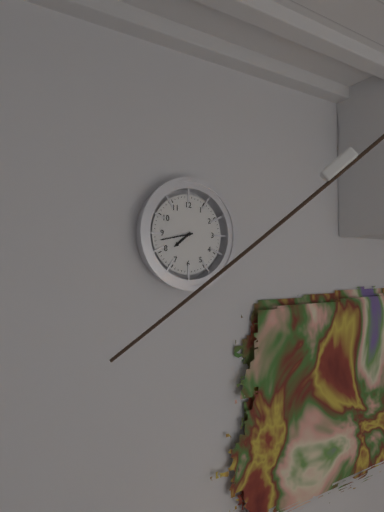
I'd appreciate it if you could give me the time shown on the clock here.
7:43
